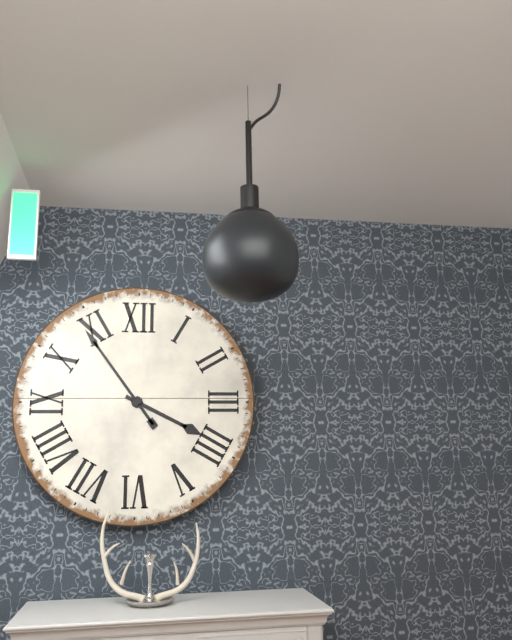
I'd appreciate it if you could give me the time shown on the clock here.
3:54
